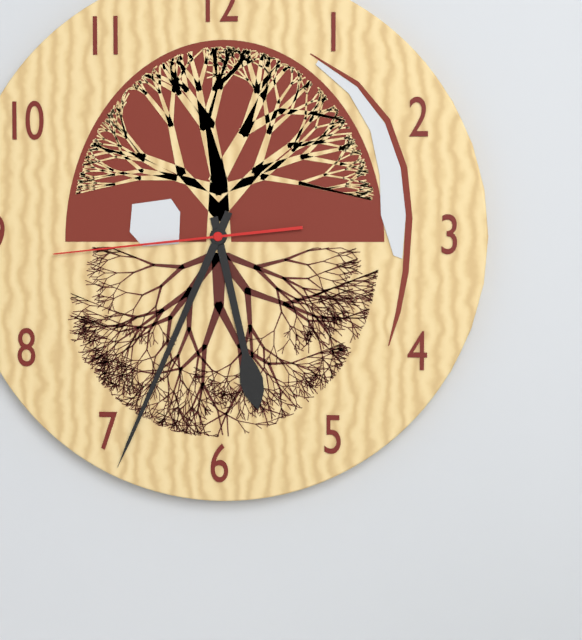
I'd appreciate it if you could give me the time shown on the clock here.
5:34:44
